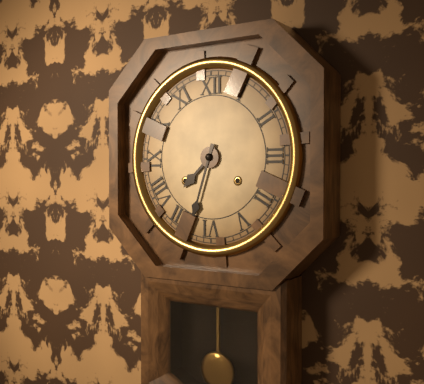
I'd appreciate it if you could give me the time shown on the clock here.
7:33
